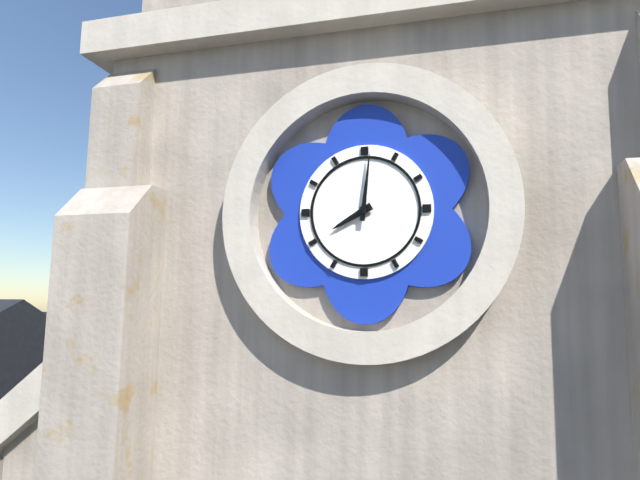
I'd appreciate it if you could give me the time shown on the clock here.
8:01
